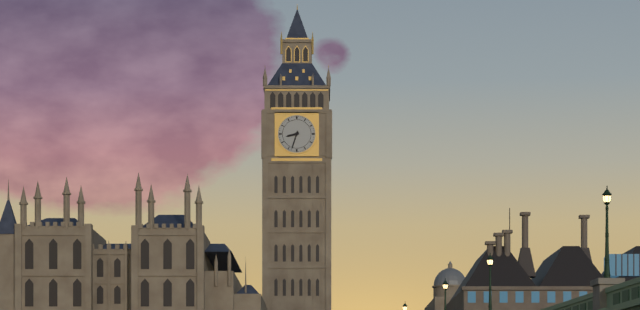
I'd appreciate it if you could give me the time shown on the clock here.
8:33
